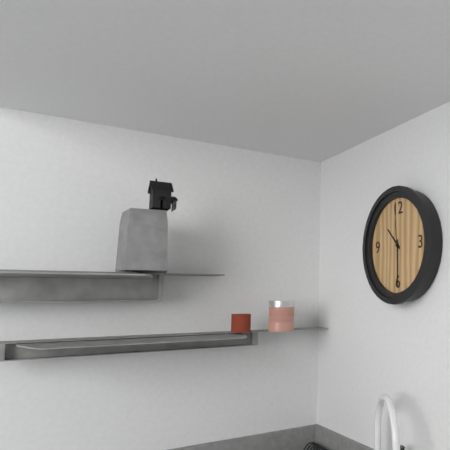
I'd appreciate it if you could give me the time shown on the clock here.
10:30:59
